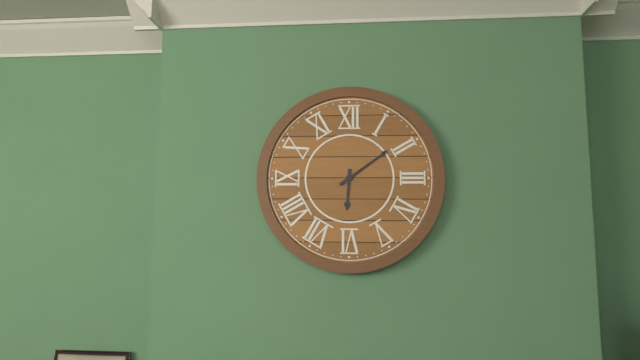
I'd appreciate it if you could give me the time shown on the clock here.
6:09
